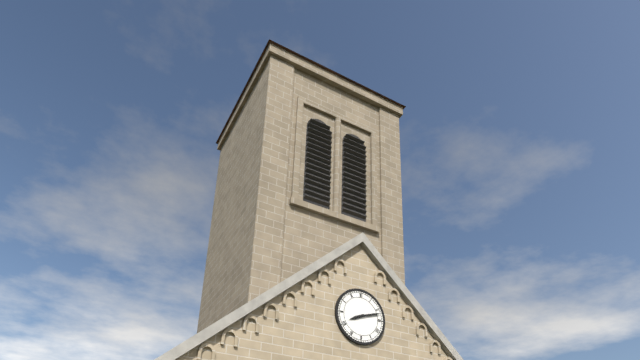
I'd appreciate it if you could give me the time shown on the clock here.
8:12
